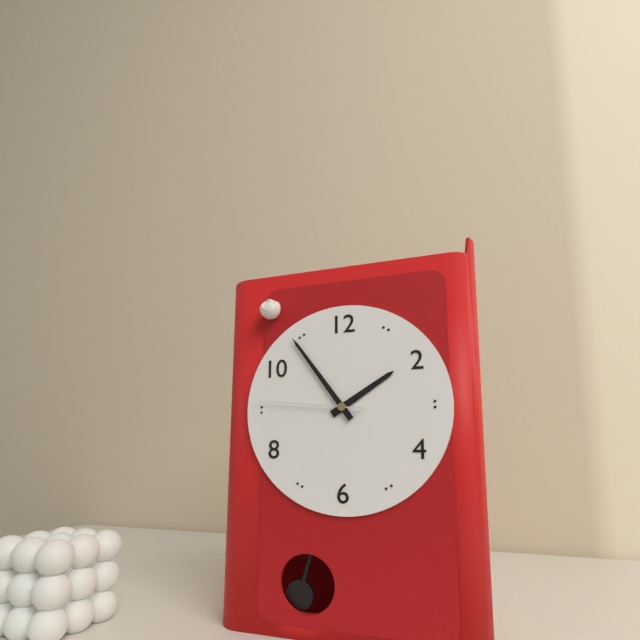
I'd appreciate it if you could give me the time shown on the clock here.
1:54:46
